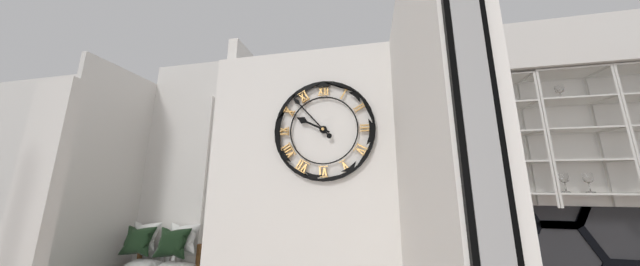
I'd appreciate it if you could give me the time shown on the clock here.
9:53
